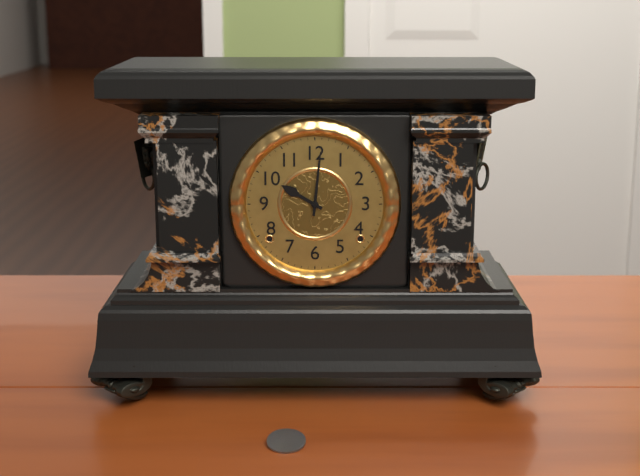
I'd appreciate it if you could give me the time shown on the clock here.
10:01
